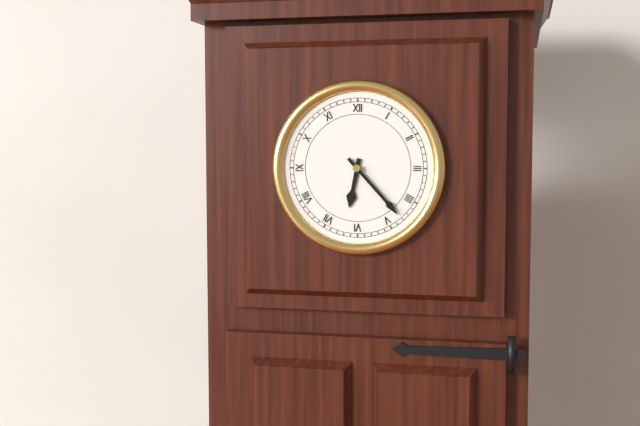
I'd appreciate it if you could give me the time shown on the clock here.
6:23
